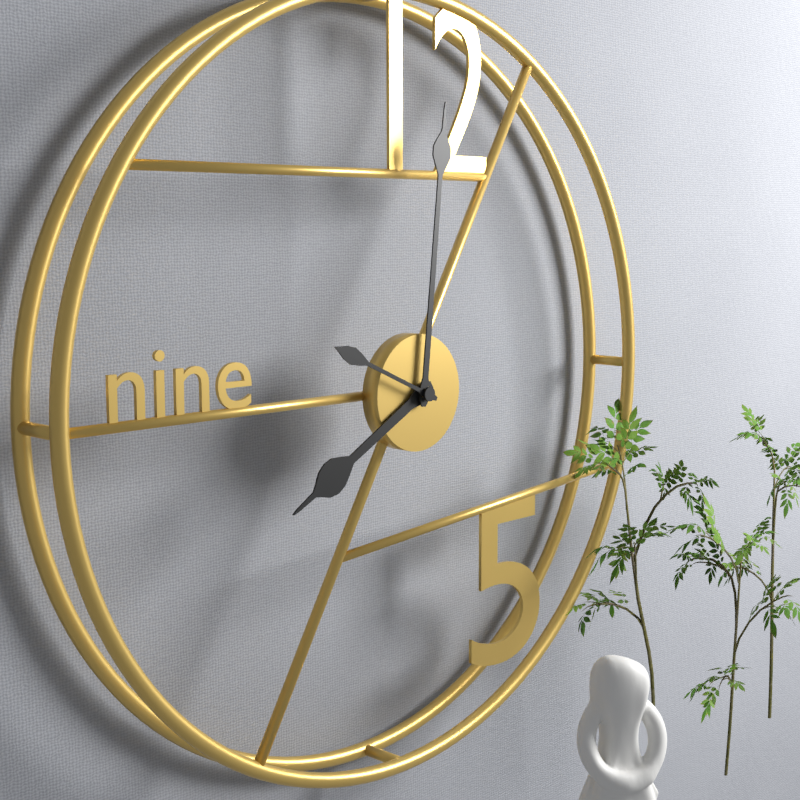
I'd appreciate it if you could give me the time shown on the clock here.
8:01:49
